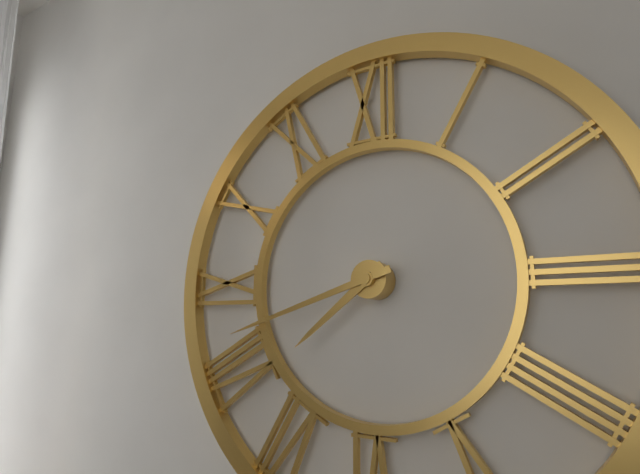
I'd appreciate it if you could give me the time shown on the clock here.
7:42
